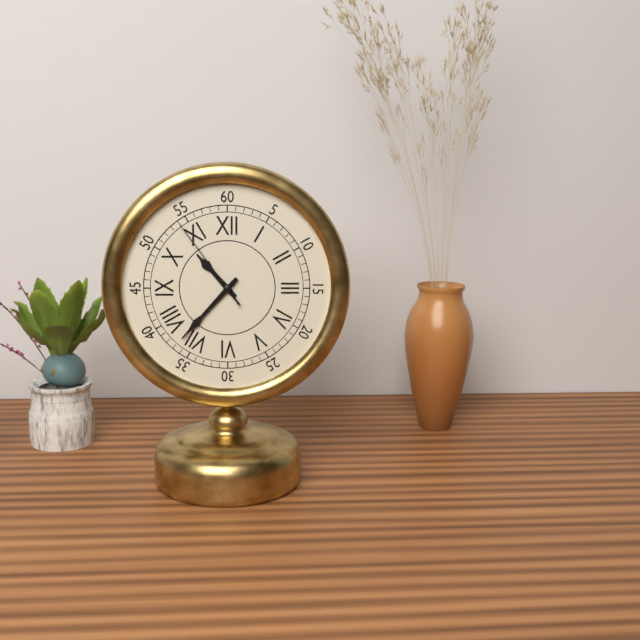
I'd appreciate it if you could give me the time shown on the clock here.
10:37:54
